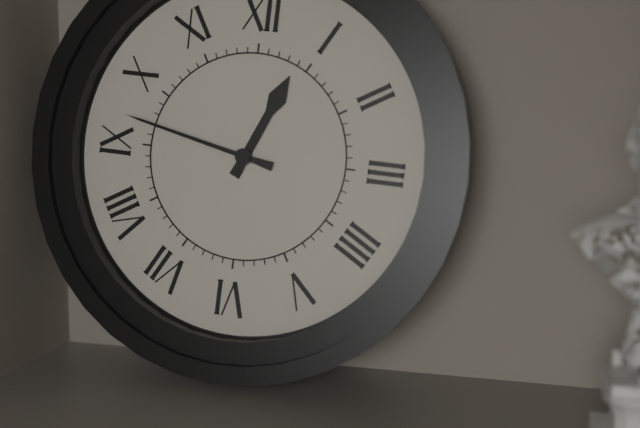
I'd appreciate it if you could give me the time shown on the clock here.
12:47
